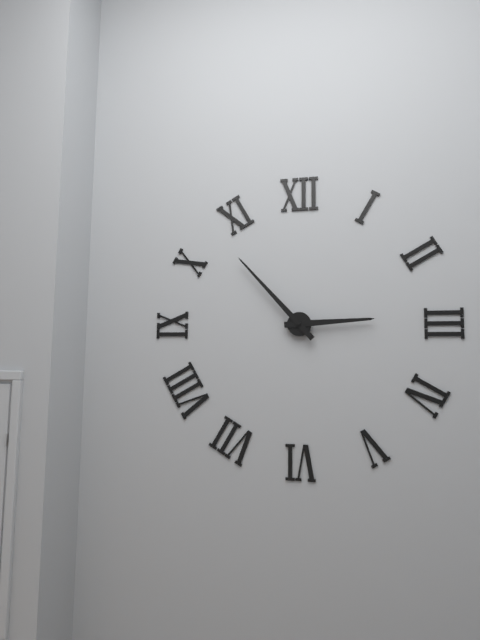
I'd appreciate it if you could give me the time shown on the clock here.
2:53
